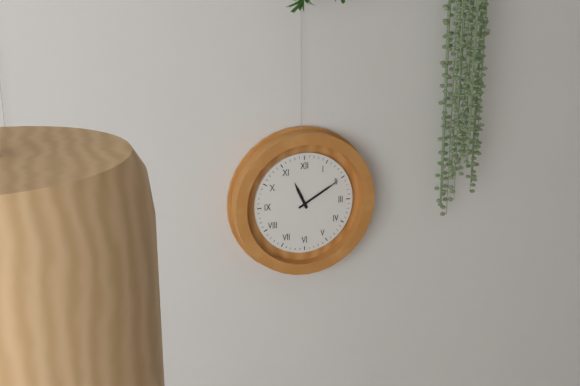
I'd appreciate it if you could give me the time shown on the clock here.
11:10
